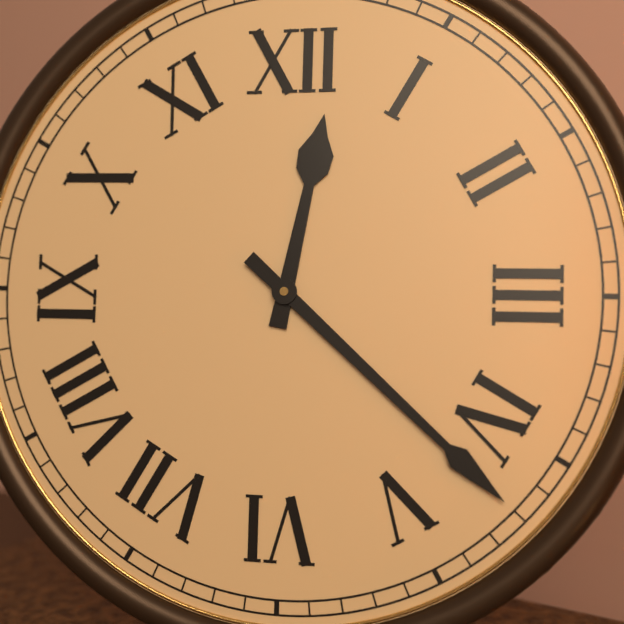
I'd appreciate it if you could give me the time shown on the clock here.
12:22
